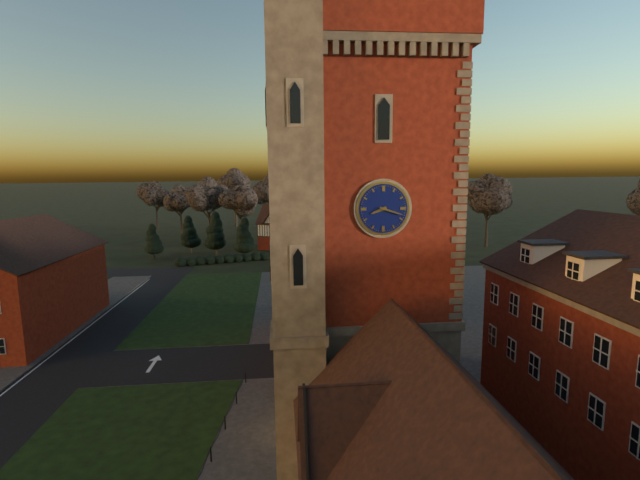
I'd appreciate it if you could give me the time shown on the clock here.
8:18
